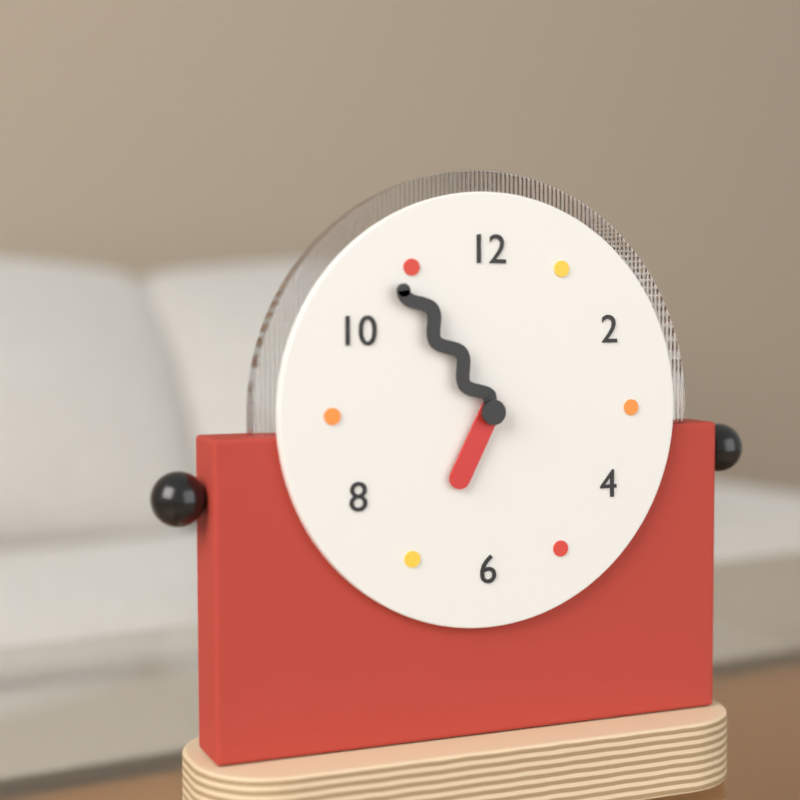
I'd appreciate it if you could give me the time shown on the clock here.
6:54
